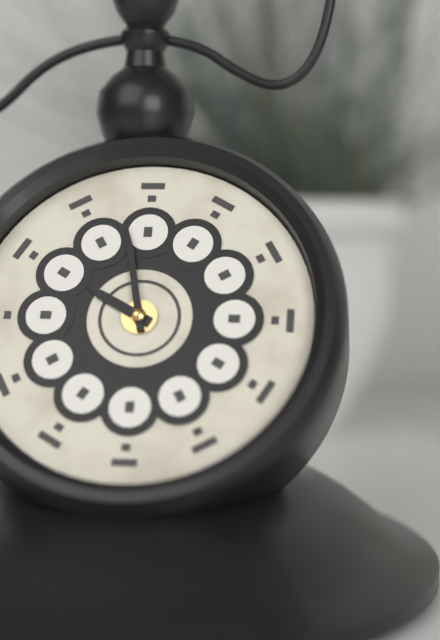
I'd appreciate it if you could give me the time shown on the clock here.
9:58
